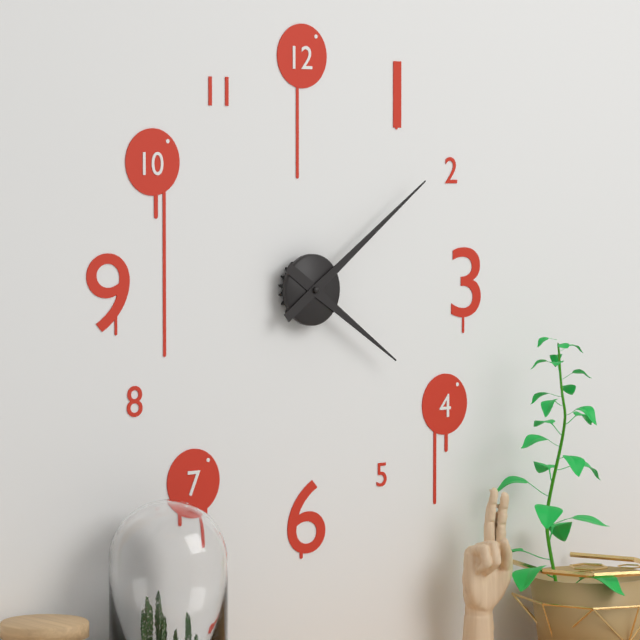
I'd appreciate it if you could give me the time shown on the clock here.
4:09
